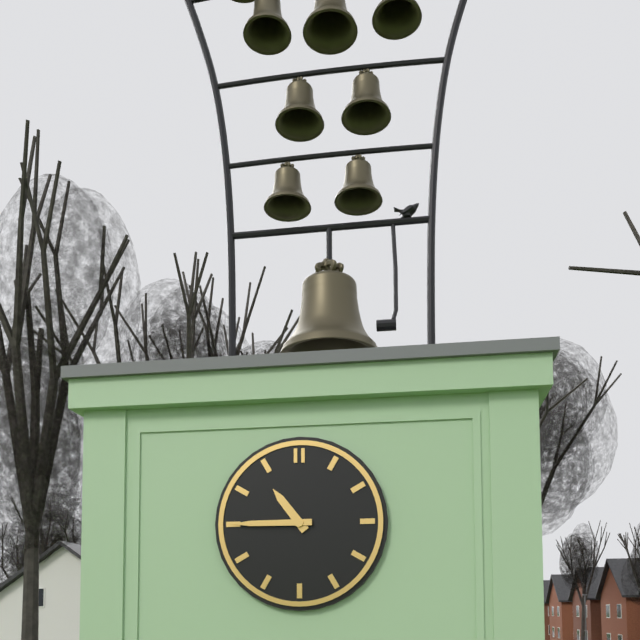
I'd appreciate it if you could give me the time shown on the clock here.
10:45
